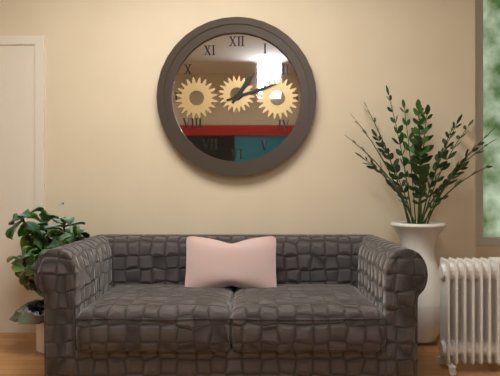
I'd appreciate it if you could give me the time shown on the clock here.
1:12
